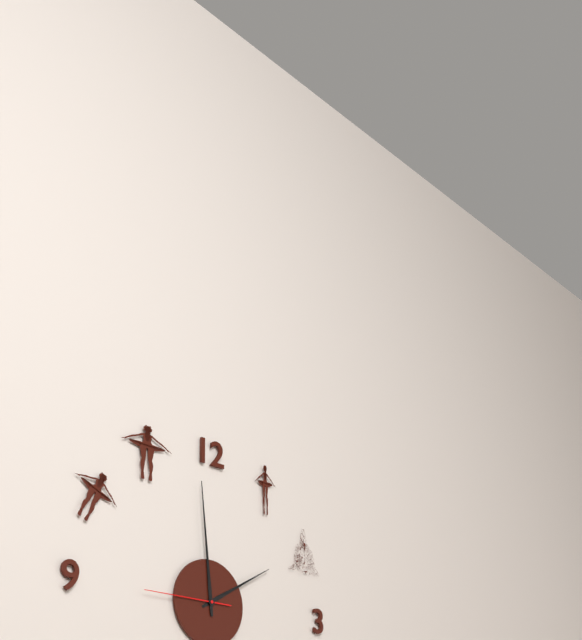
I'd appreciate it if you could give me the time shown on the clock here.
1:59:45
